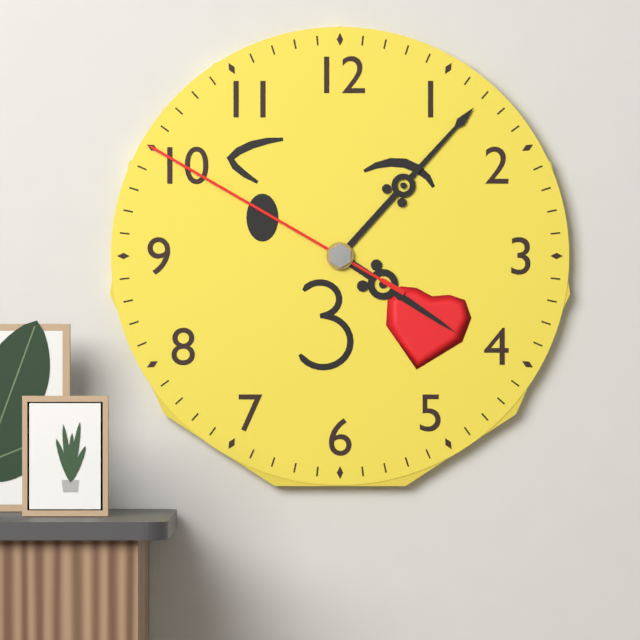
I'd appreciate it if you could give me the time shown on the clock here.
4:07:50
